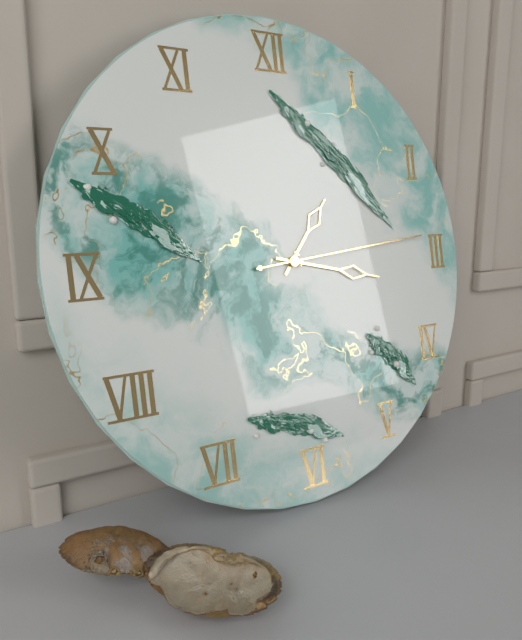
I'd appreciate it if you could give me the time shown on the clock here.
1:17:14
